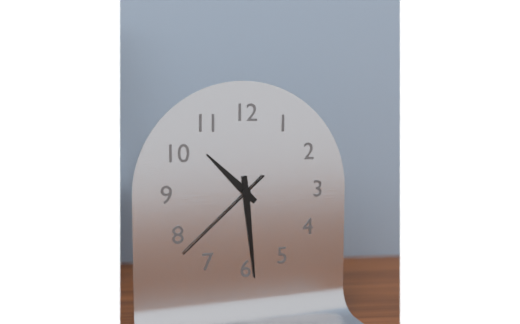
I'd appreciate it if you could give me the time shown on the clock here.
10:29:38
